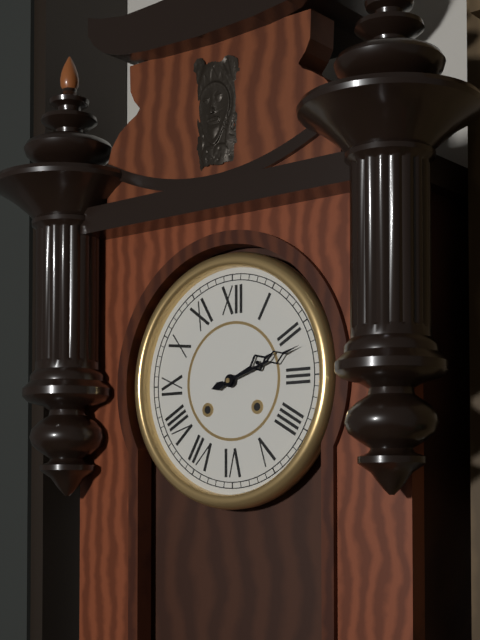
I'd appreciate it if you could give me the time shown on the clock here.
2:12
